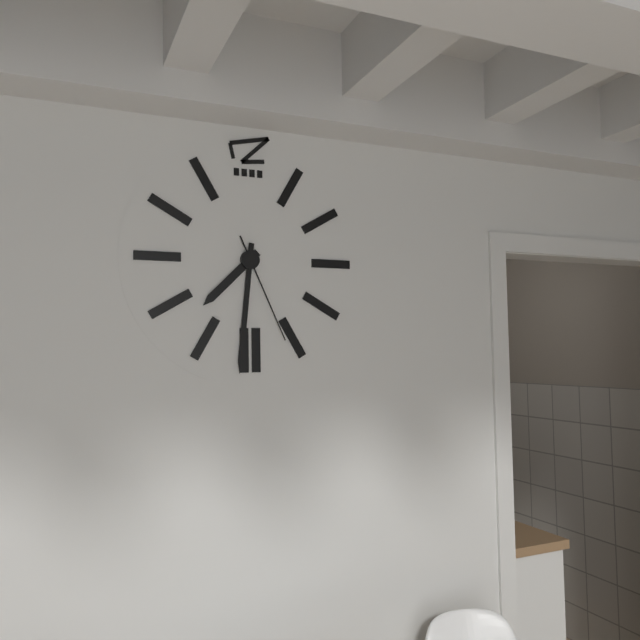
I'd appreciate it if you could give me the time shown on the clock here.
7:31:26
